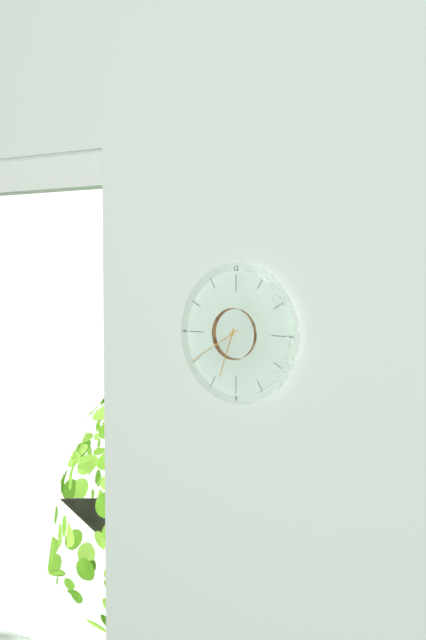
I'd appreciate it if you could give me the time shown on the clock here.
6:40
